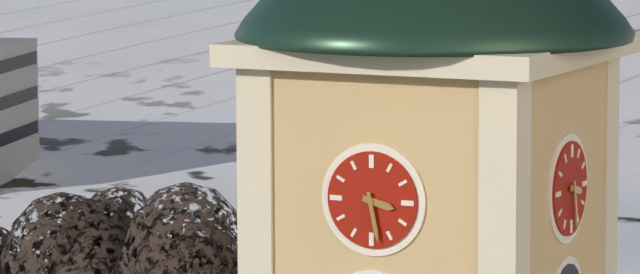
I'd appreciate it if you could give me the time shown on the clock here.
3:28
